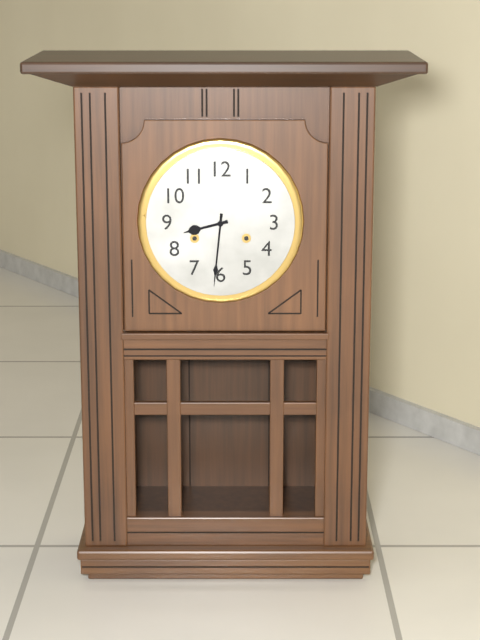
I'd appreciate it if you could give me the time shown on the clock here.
8:31
